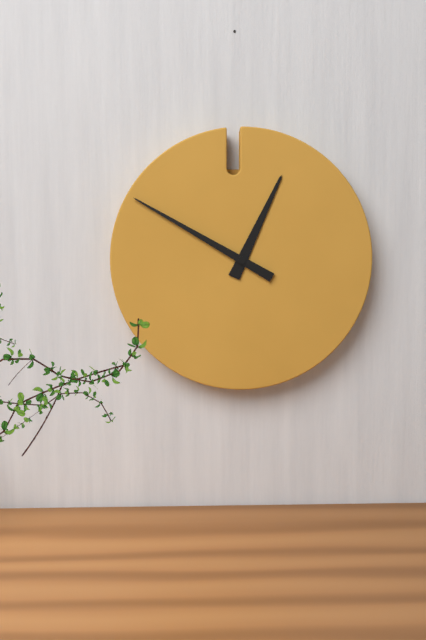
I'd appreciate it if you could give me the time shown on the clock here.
12:50
